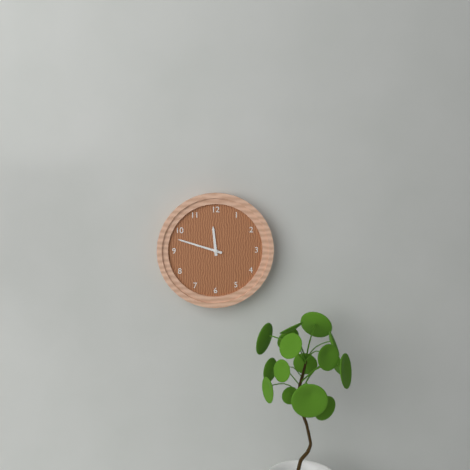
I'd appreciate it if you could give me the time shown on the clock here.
11:48
